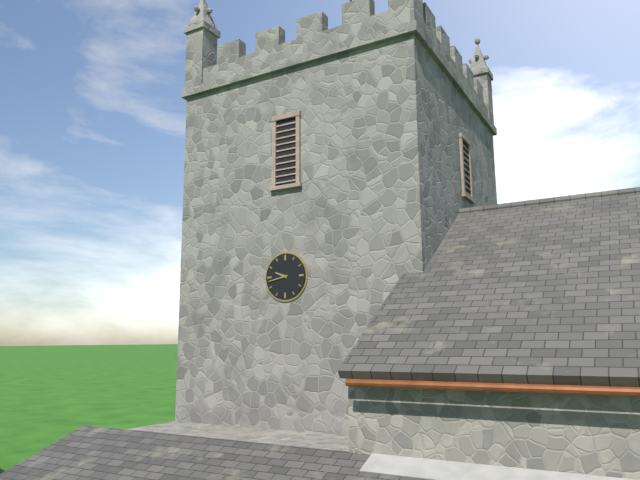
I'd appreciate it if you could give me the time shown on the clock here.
9:43
